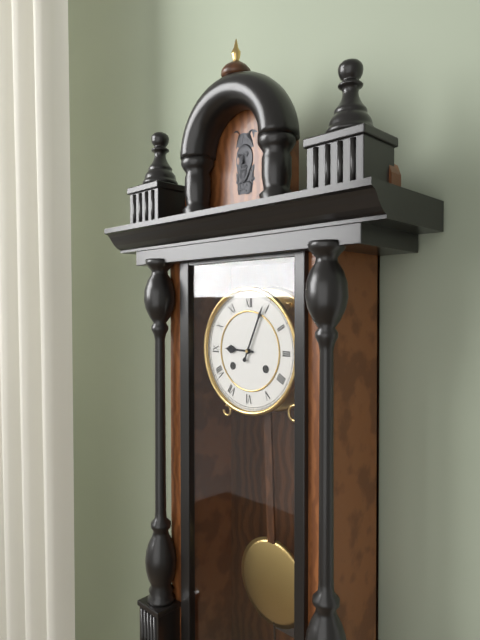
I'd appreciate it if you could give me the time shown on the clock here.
9:04
